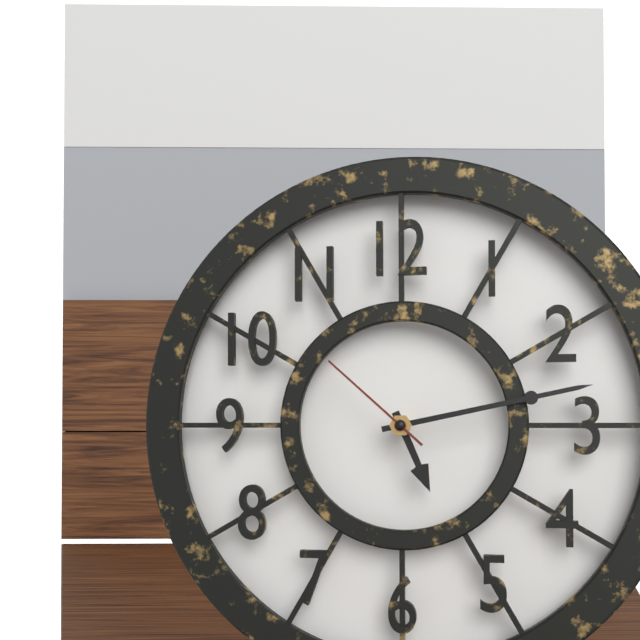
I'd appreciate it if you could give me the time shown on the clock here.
5:13:52
